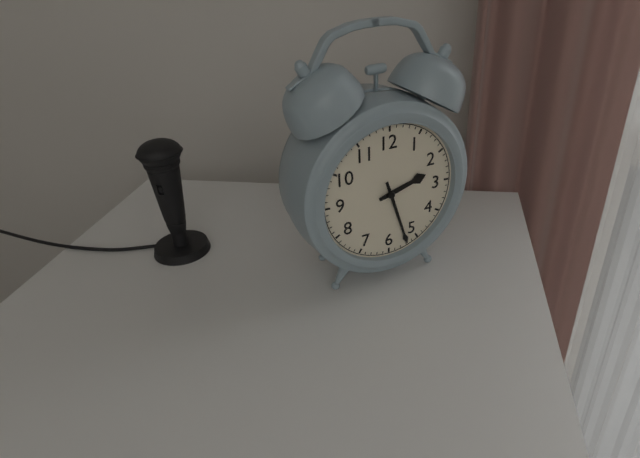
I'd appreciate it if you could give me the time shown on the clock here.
2:27
